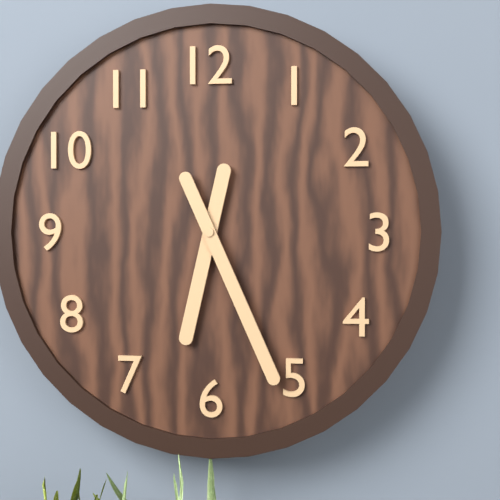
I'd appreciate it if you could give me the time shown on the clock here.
6:26
